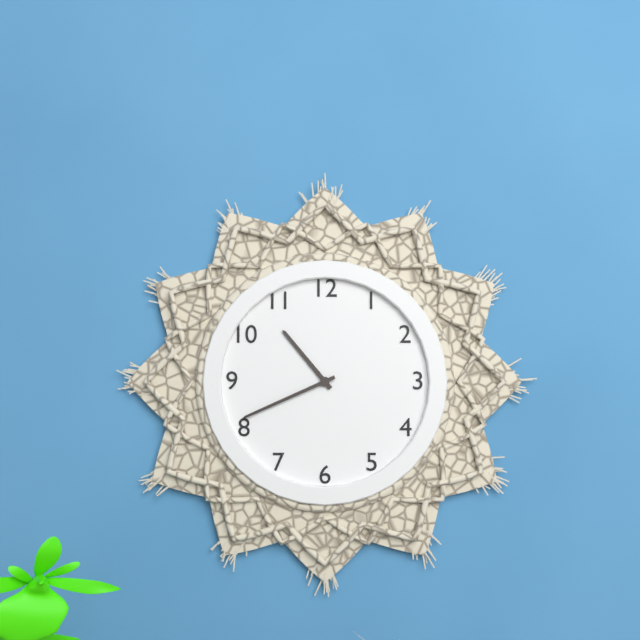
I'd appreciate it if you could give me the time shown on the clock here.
10:41
